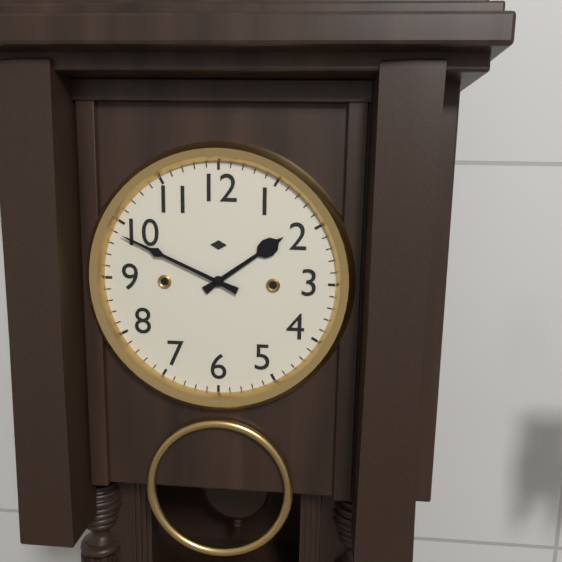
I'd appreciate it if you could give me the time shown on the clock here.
1:49
